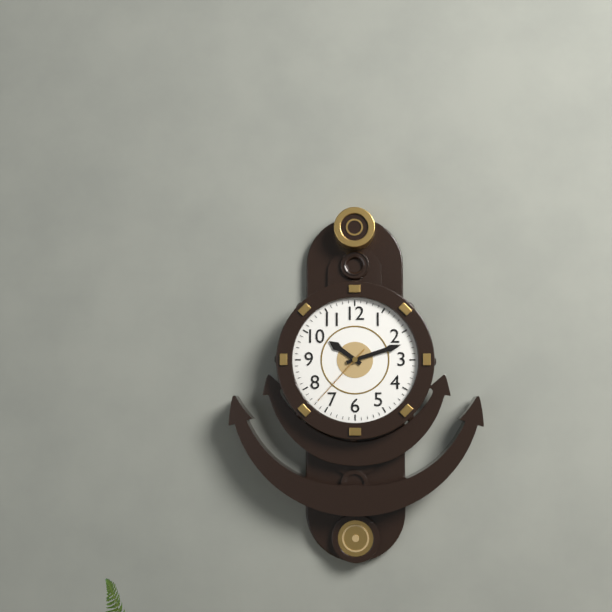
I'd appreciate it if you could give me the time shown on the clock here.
10:12:37
